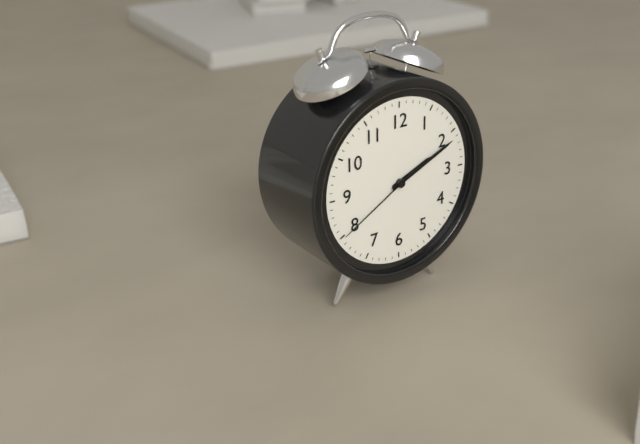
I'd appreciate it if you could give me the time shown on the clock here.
2:11:40
